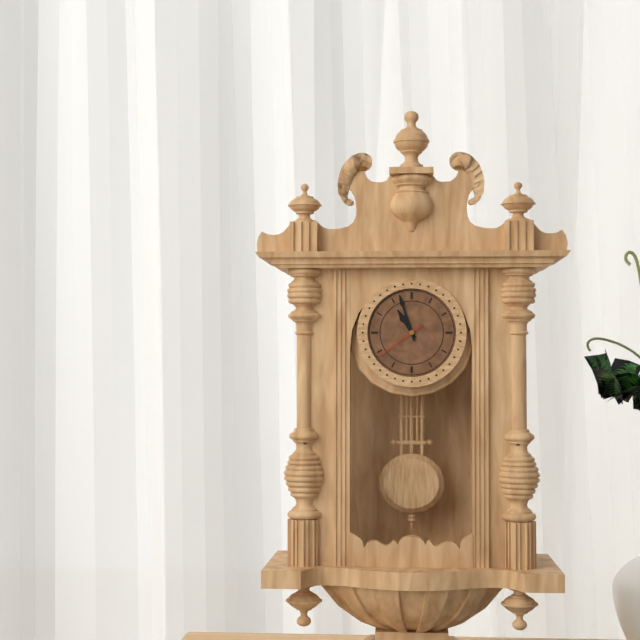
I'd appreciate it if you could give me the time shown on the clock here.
10:57:39
